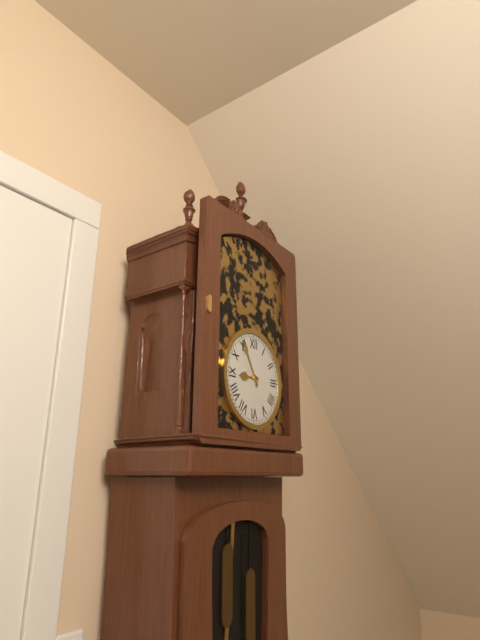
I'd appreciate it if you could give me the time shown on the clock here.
8:55
